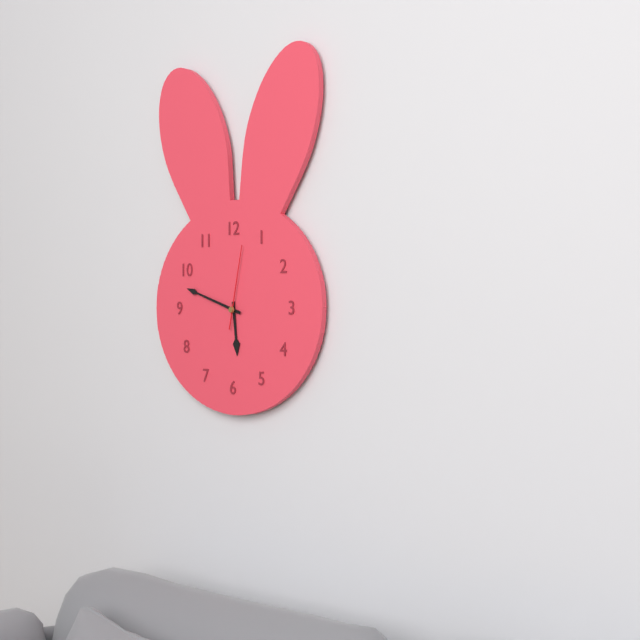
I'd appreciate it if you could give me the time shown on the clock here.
5:48:02
